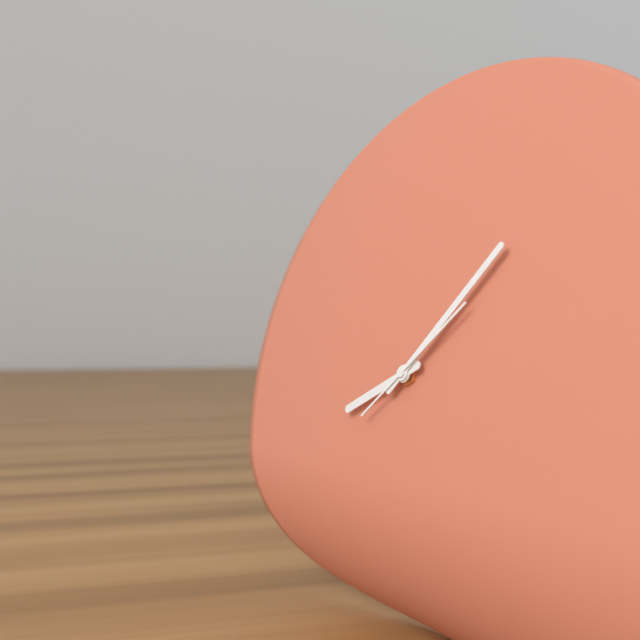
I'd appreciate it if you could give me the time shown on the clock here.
8:07:08
